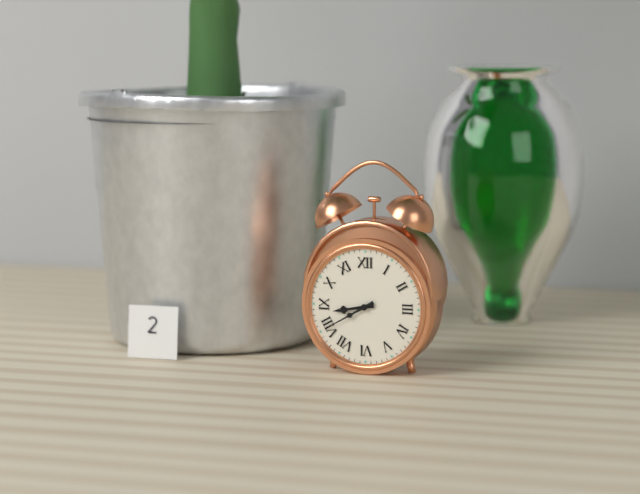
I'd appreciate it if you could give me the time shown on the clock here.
8:40
